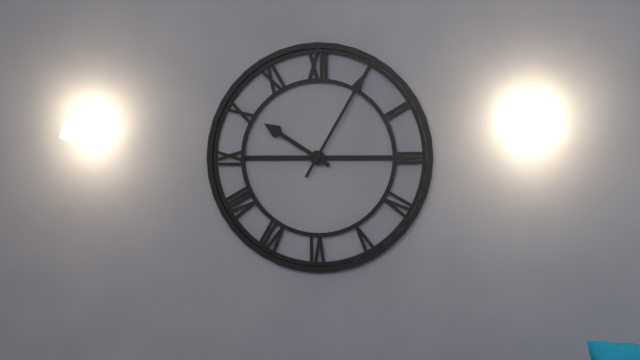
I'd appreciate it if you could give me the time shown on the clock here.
10:05
